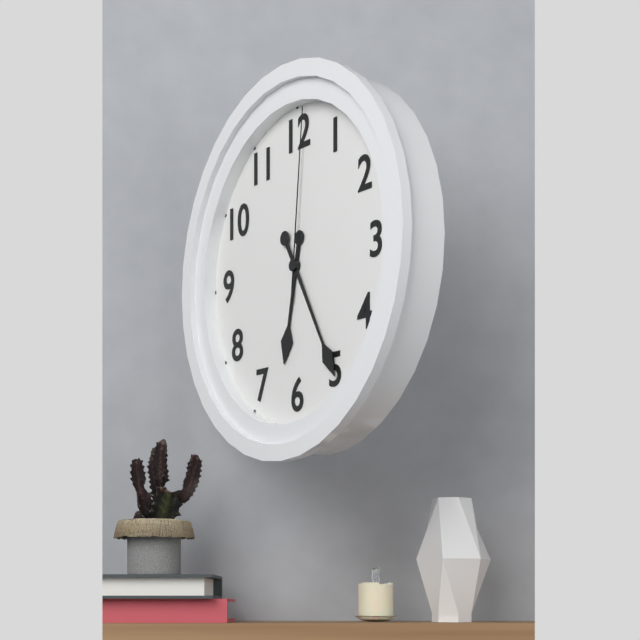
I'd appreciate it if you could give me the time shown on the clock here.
6:25:01
